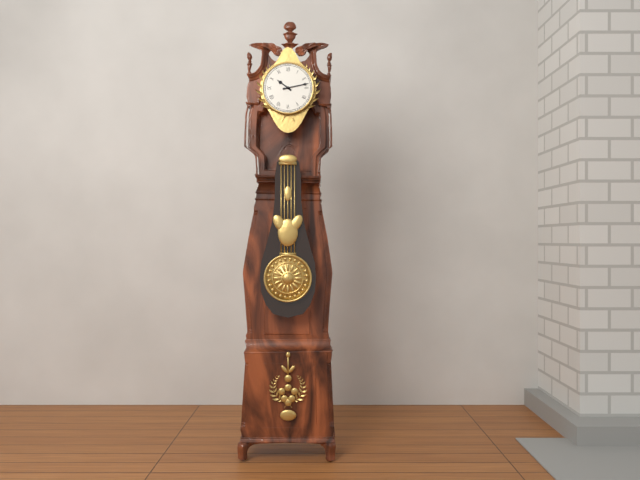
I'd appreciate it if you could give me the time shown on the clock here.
10:13
